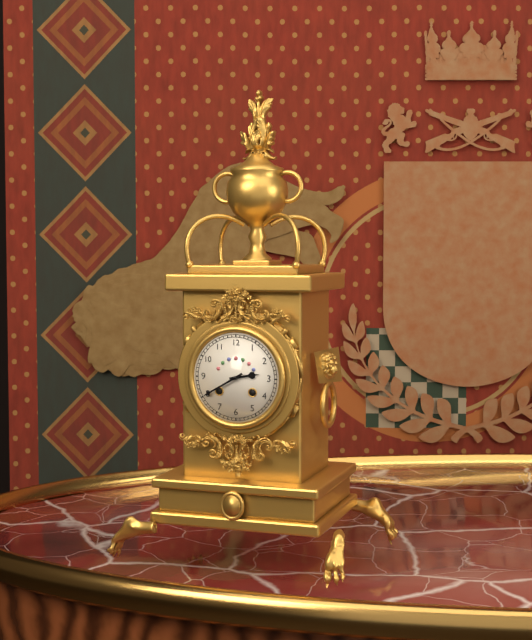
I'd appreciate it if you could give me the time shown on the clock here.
2:40
